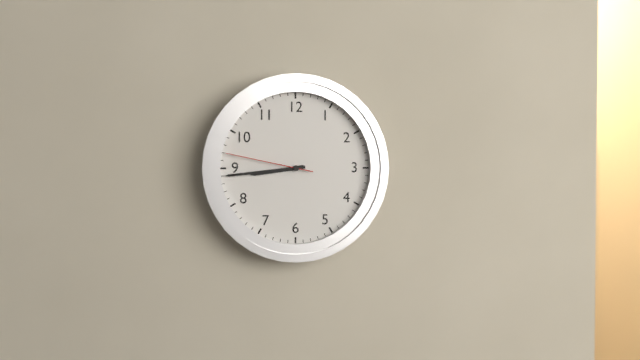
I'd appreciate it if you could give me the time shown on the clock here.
8:44:47
